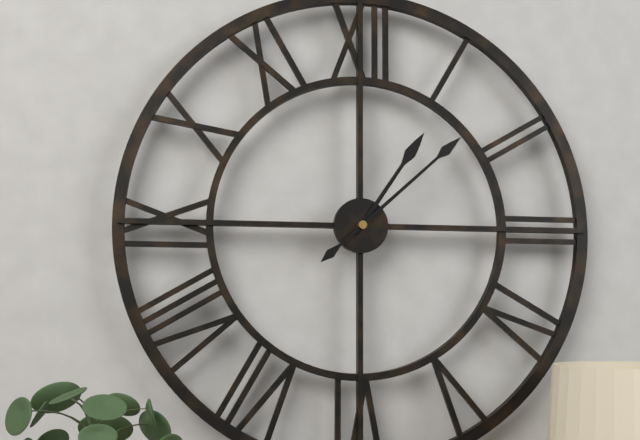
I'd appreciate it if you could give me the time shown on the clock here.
1:08
